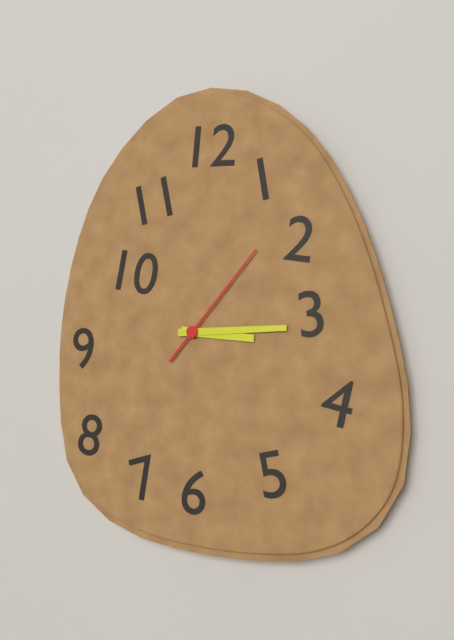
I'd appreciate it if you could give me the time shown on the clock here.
3:15:07
